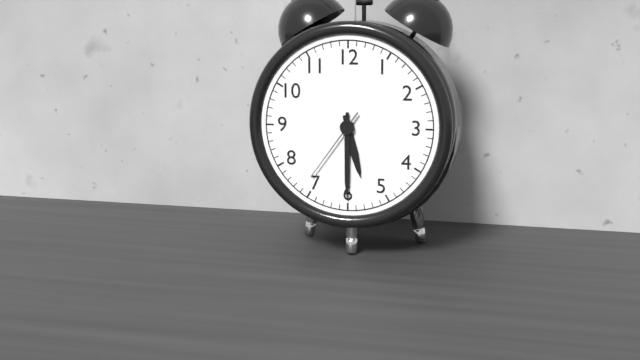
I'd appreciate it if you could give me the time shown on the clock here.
5:30:36
